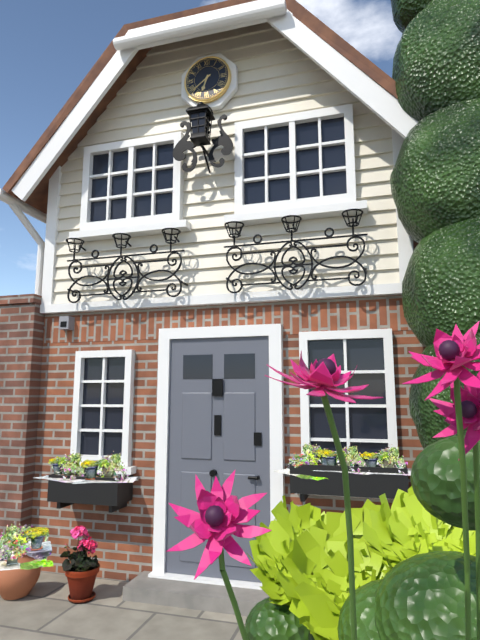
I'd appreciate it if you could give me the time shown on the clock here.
6:39
